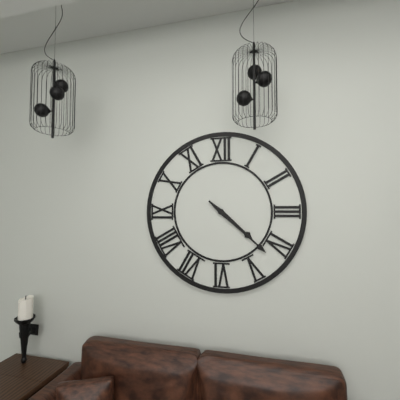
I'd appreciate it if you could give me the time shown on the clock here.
4:22
